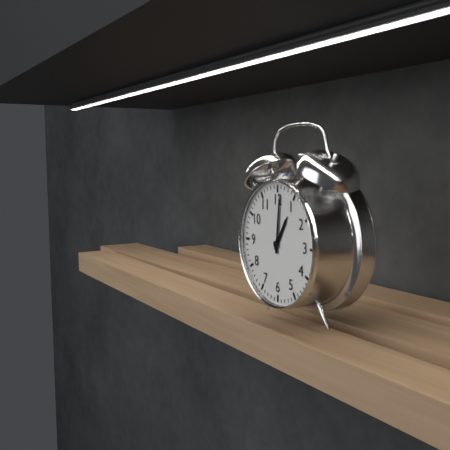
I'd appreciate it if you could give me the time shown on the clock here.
1:01
